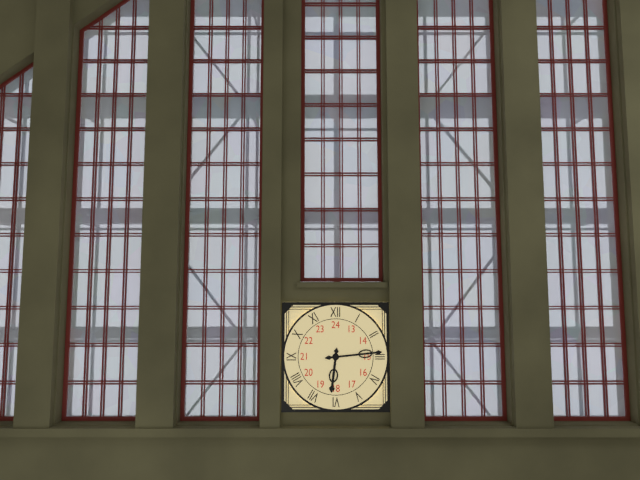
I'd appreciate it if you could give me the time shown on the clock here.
6:14
